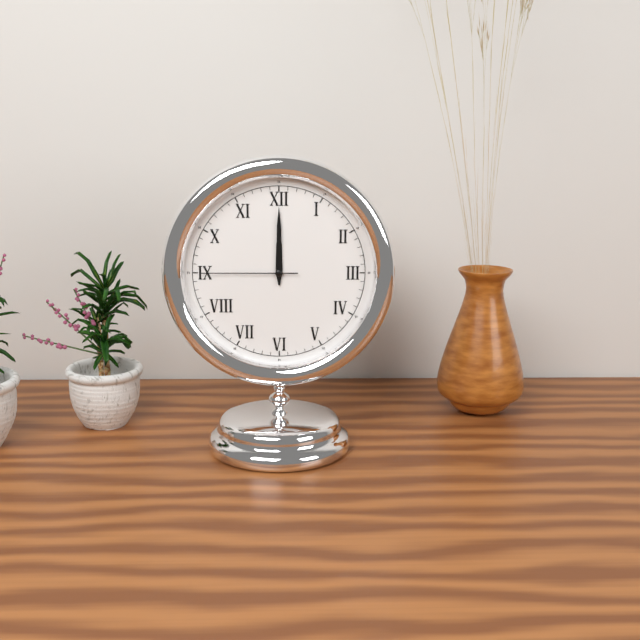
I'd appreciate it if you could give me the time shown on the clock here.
12:00:45
